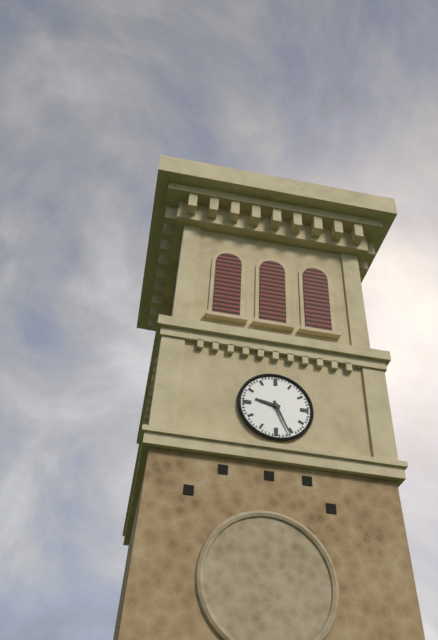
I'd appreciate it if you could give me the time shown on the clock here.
9:26
